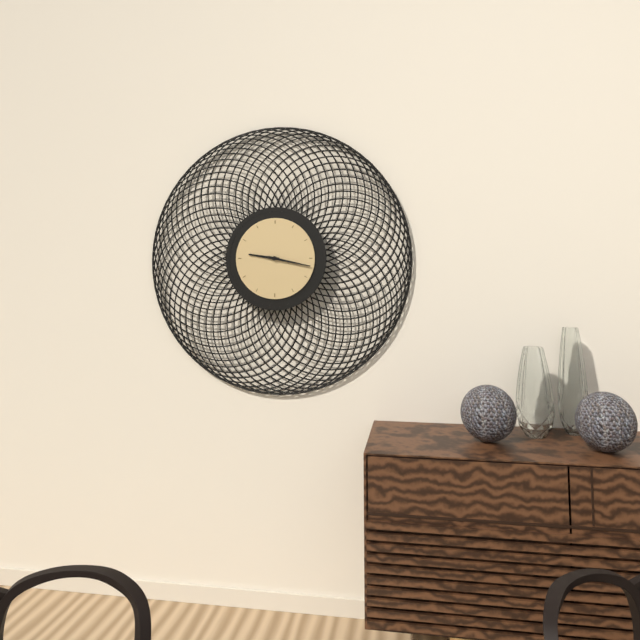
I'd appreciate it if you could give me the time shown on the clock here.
9:17
